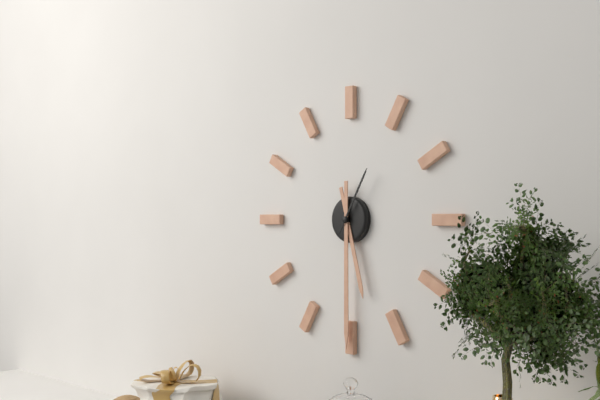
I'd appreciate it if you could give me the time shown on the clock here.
5:30:05
